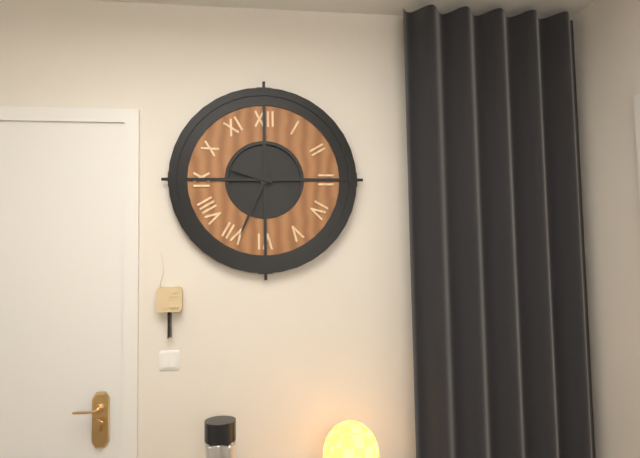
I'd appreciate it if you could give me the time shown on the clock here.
9:34
